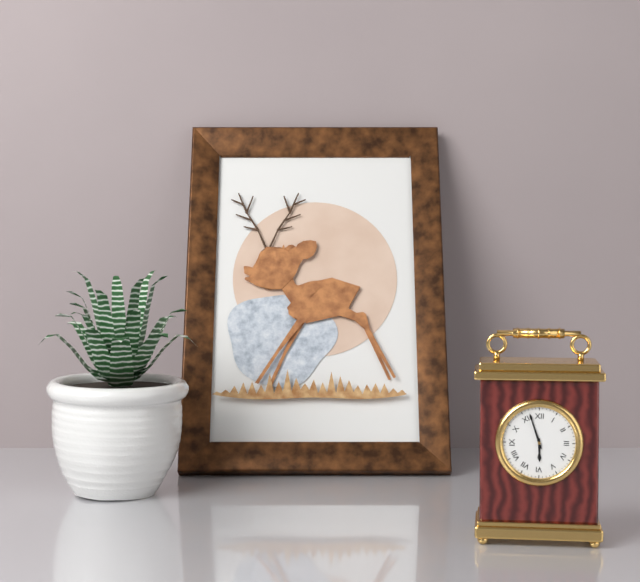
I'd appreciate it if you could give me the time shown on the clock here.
5:57
